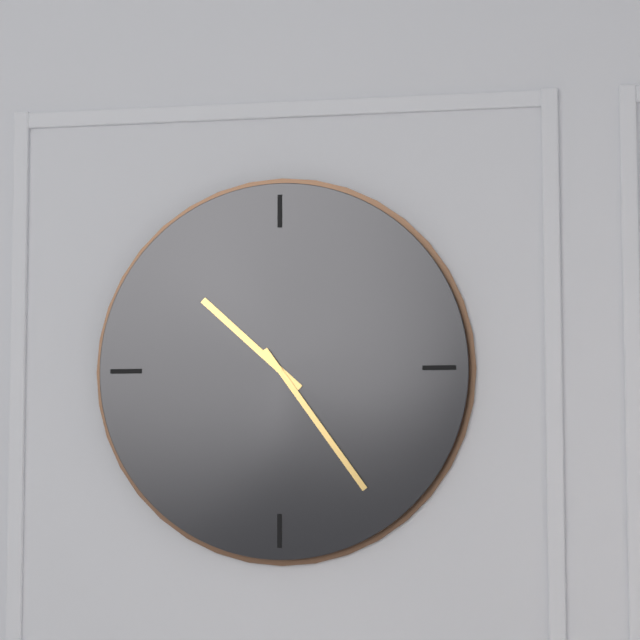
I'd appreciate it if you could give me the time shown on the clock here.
10:24
